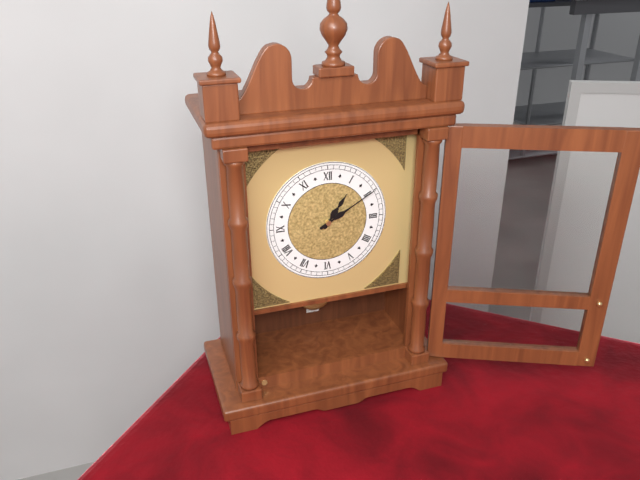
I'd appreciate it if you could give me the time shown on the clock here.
1:10
